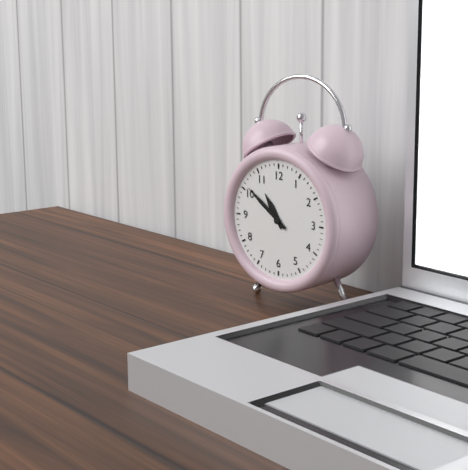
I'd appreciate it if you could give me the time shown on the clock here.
10:51
